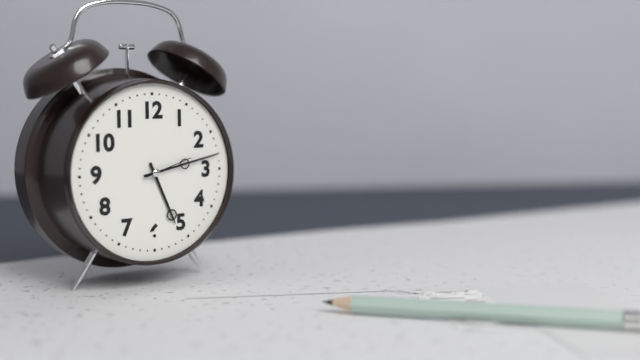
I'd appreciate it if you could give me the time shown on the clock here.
5:13
